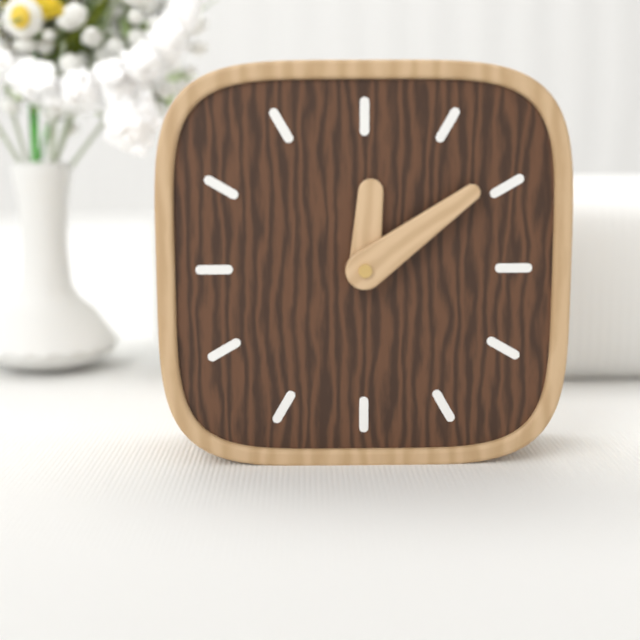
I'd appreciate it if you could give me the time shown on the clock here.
12:09
